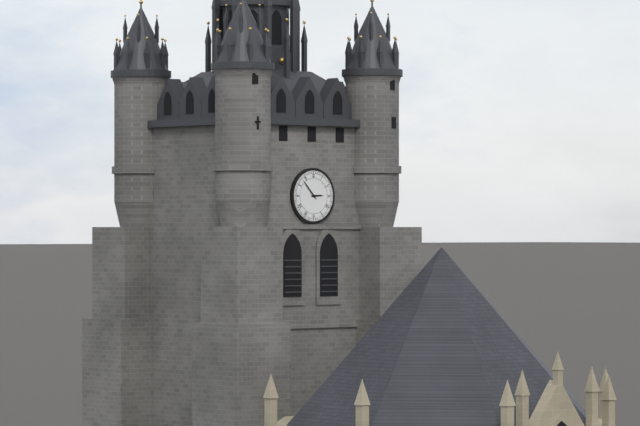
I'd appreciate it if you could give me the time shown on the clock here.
2:53
